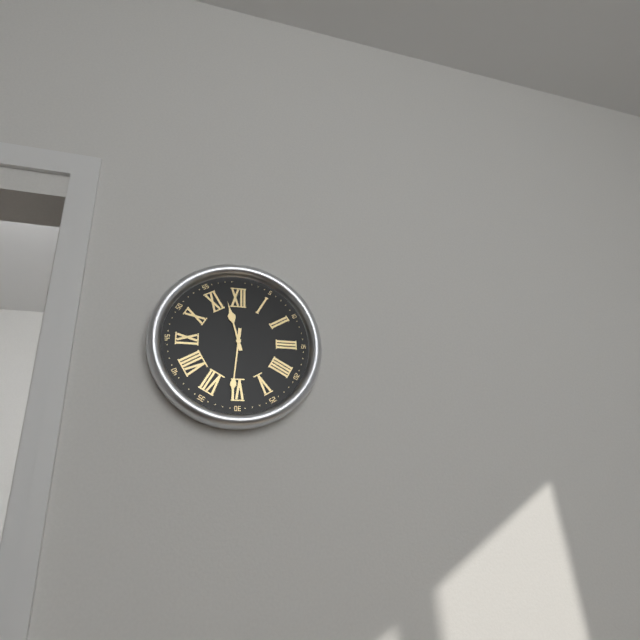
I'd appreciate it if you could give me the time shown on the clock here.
11:31
